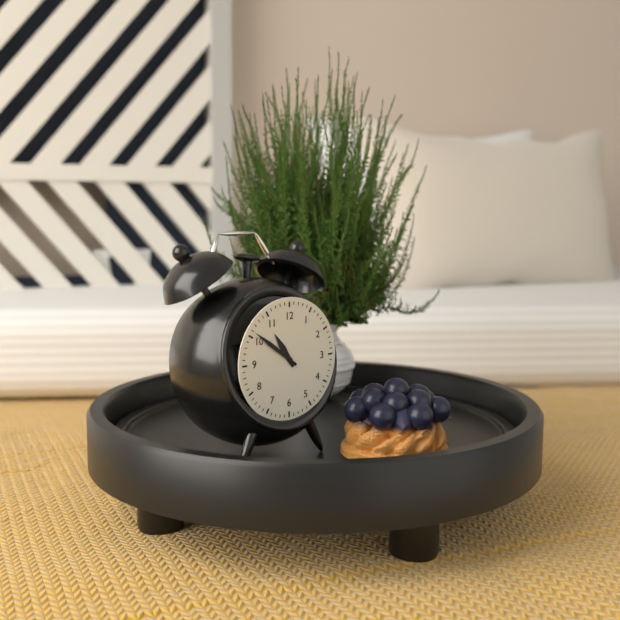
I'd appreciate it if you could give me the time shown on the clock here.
10:51
